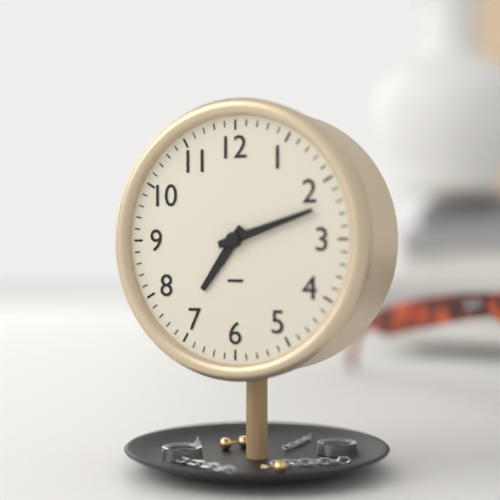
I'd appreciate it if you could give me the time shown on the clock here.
7:12
